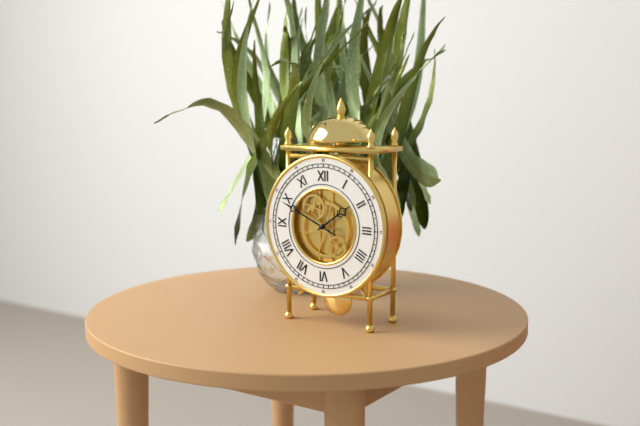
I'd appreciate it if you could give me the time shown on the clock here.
1:49
